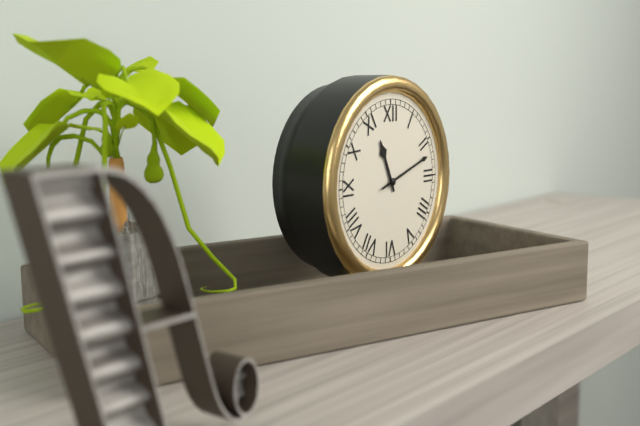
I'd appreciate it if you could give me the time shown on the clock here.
11:12
